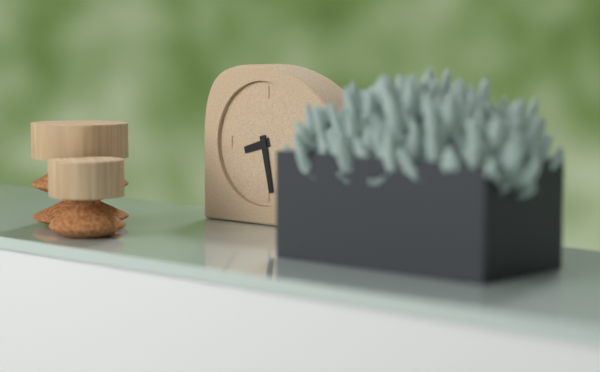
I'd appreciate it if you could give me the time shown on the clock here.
8:28
